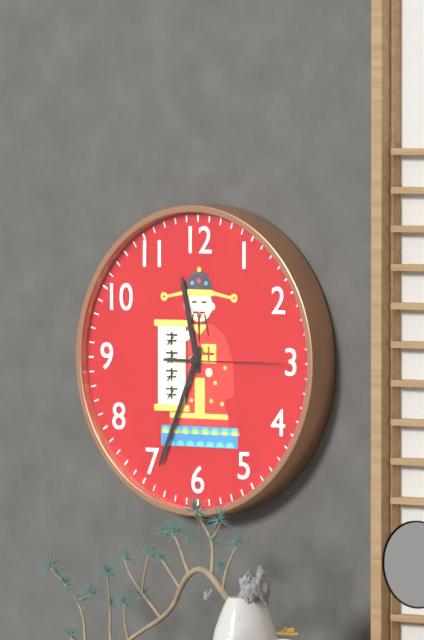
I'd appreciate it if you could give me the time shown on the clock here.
11:34:15
